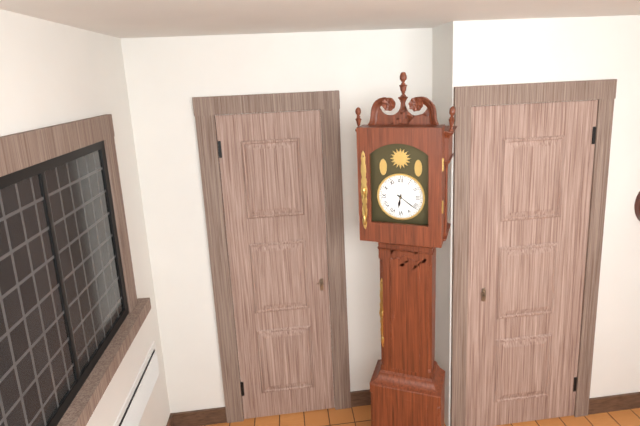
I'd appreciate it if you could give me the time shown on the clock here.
6:21
